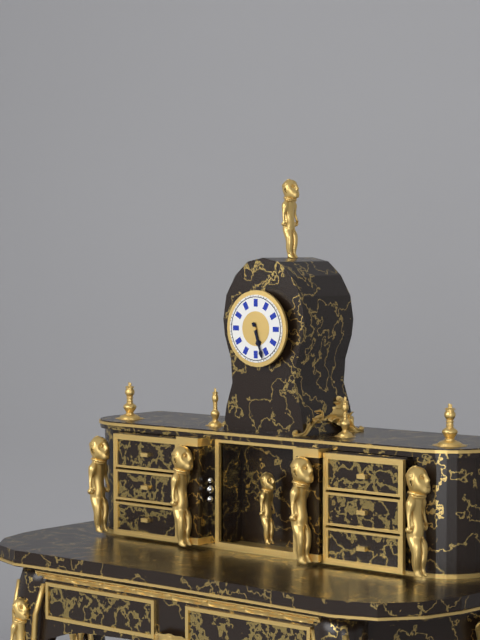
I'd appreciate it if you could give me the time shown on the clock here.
5:27
